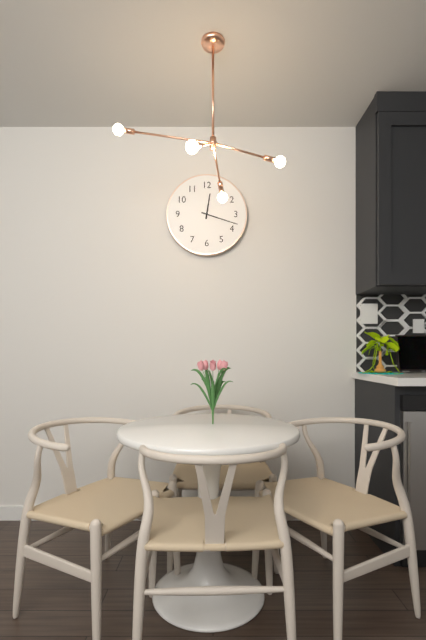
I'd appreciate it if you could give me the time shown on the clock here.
12:18
